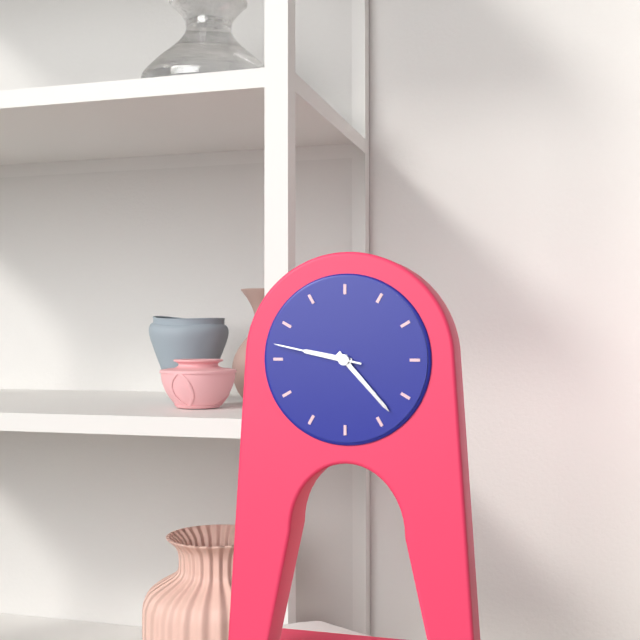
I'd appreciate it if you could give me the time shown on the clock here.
9:23:47
